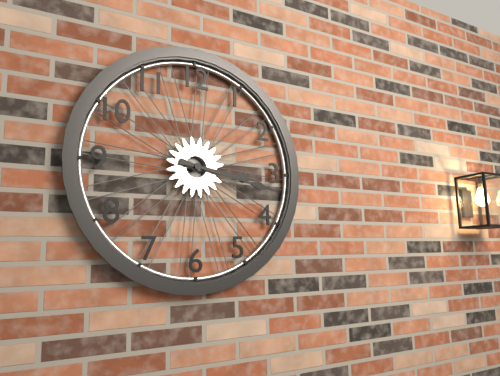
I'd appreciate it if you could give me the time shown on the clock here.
3:17
